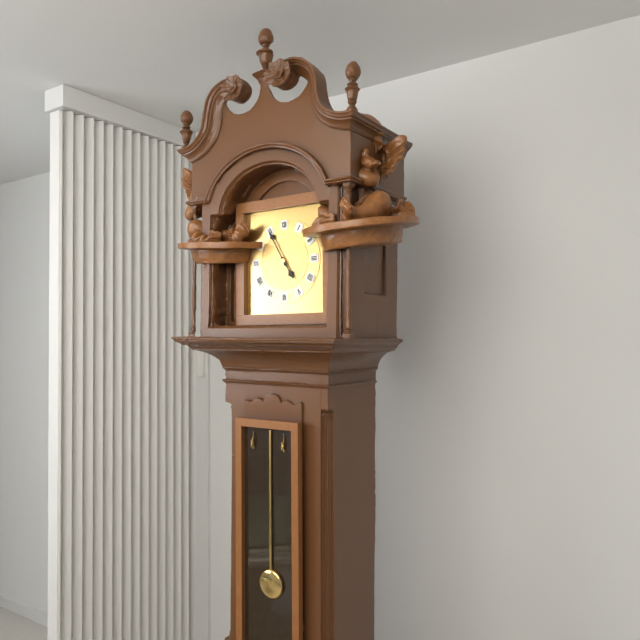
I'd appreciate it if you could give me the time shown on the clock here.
4:55
